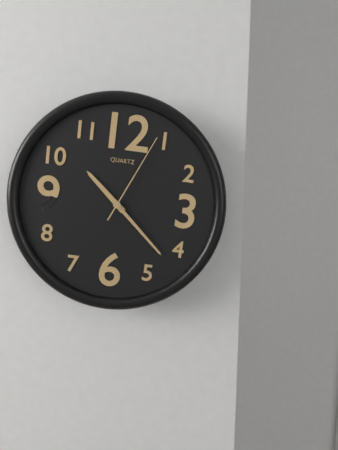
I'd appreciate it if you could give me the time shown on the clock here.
10:22:04
